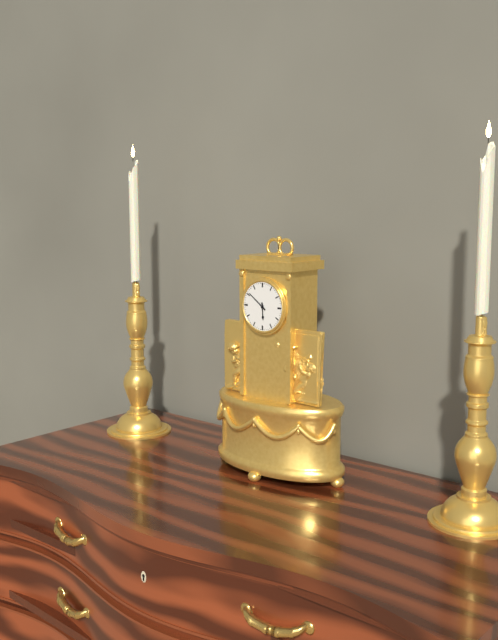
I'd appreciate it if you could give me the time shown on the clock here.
5:51
